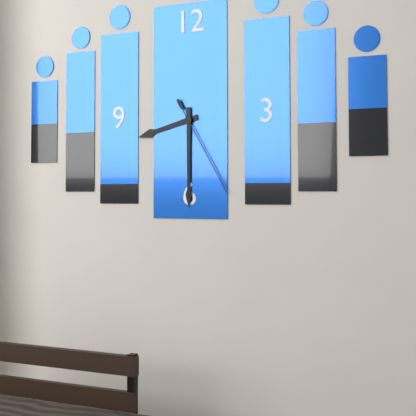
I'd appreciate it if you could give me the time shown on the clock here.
8:30:25
